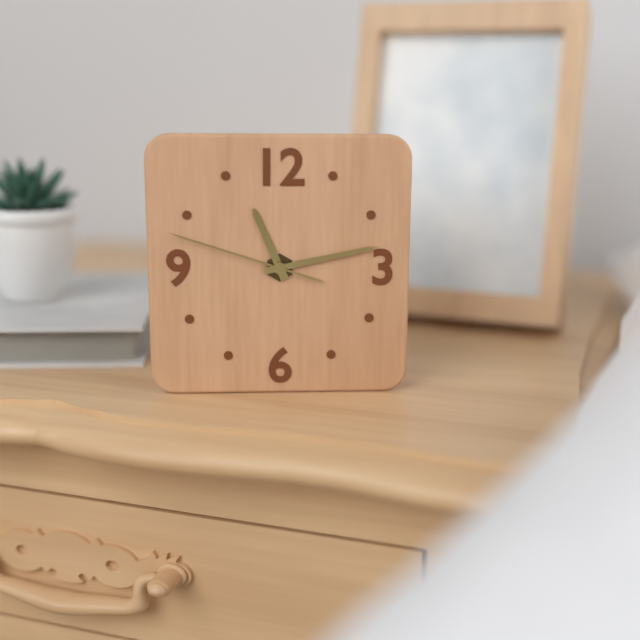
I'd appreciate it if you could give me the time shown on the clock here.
11:13:48
